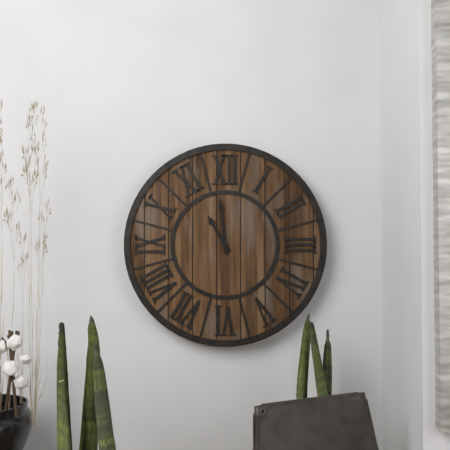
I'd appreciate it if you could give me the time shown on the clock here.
10:59
